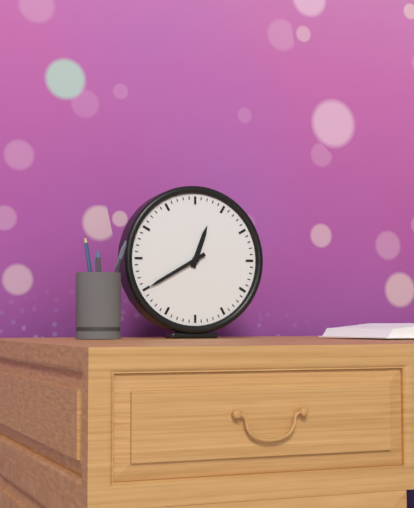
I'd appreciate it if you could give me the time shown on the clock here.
12:40
